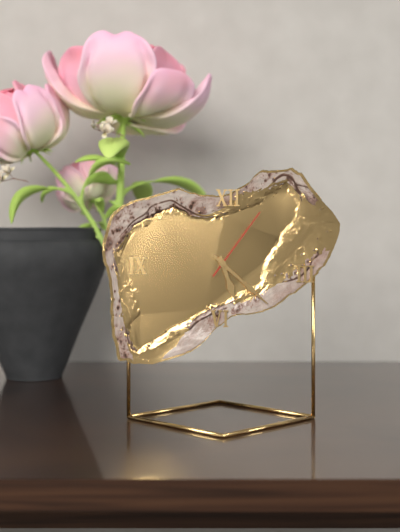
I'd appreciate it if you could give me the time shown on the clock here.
5:22:06
